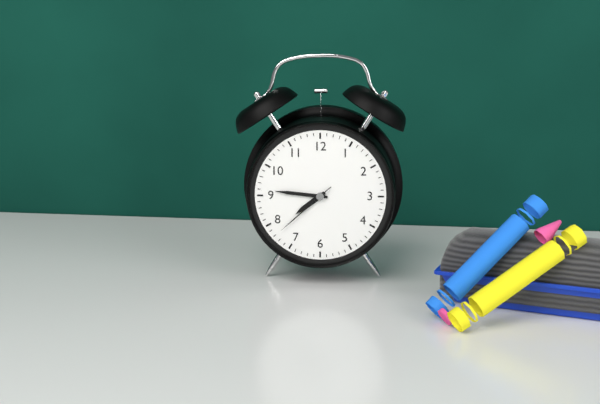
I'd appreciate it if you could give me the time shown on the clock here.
7:46:38
